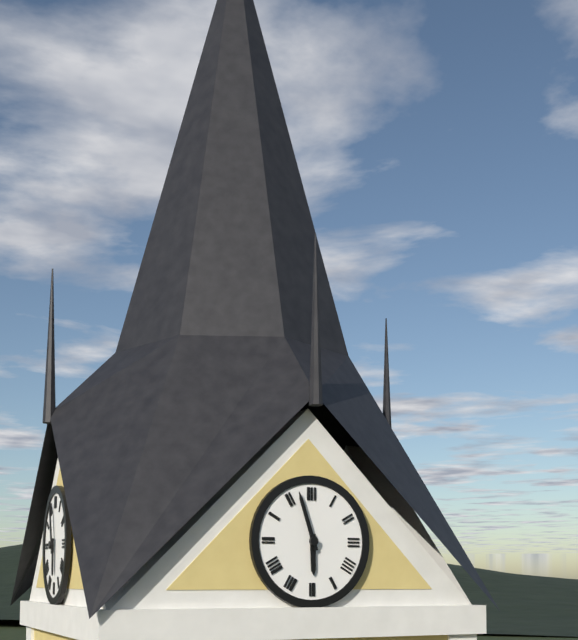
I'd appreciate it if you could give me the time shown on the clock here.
5:57
